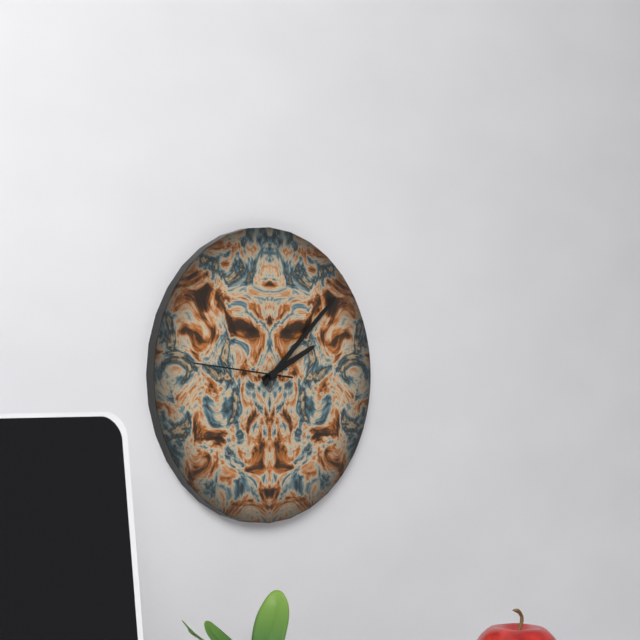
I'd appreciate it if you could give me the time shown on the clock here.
2:08:46
